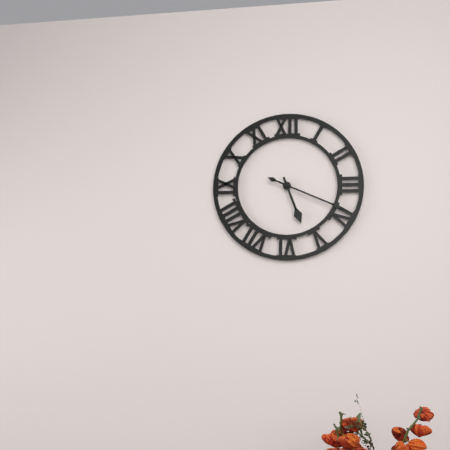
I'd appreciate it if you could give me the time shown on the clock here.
5:19
